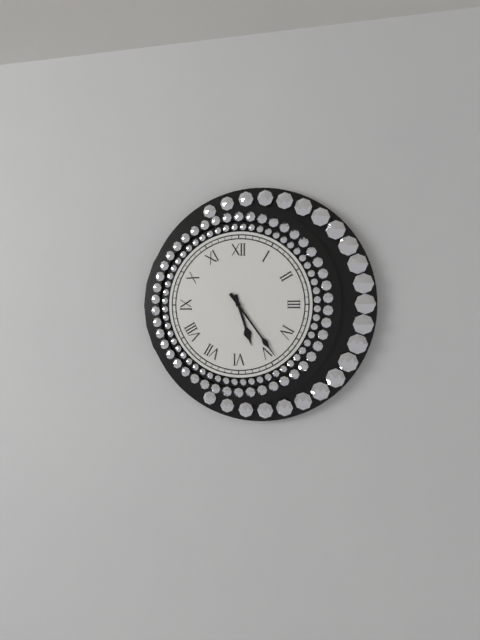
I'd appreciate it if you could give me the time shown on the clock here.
5:24
